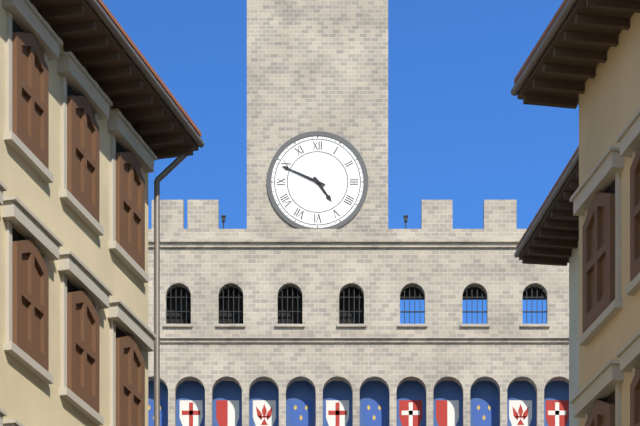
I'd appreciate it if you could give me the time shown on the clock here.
4:49
